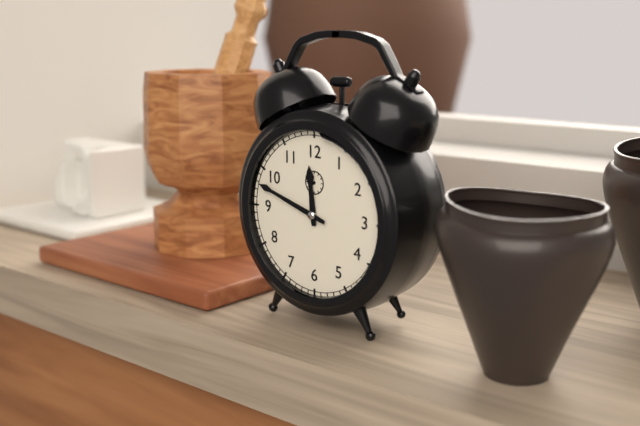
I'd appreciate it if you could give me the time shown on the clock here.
11:48
